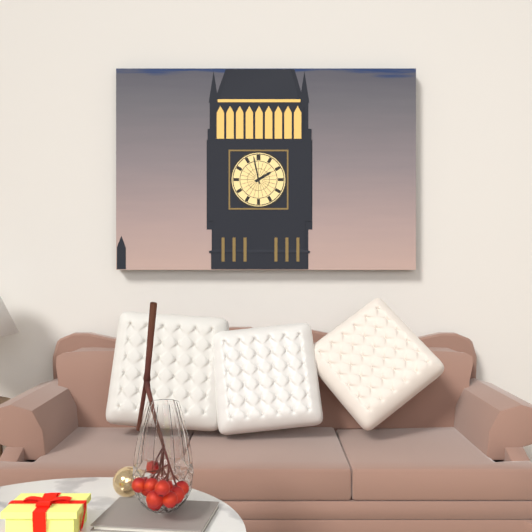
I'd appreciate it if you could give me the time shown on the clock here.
1:58
